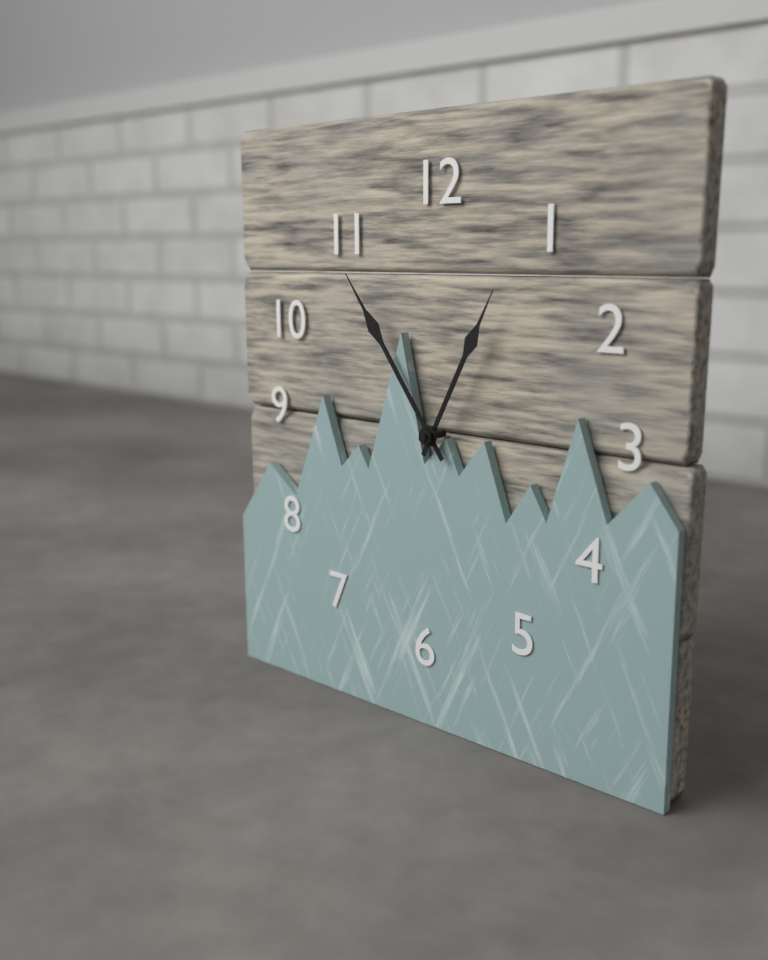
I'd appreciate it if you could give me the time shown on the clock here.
12:54
